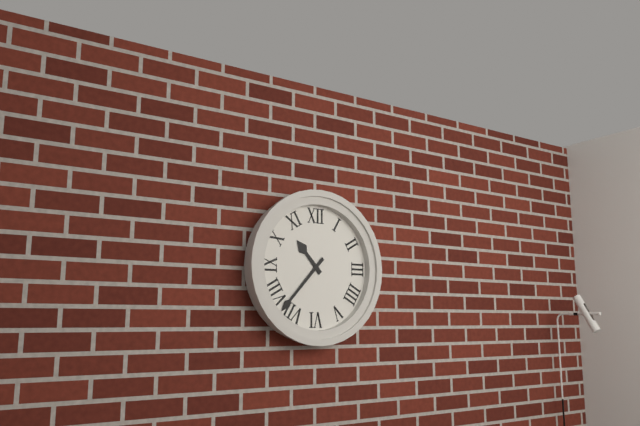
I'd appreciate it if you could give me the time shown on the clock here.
10:37
